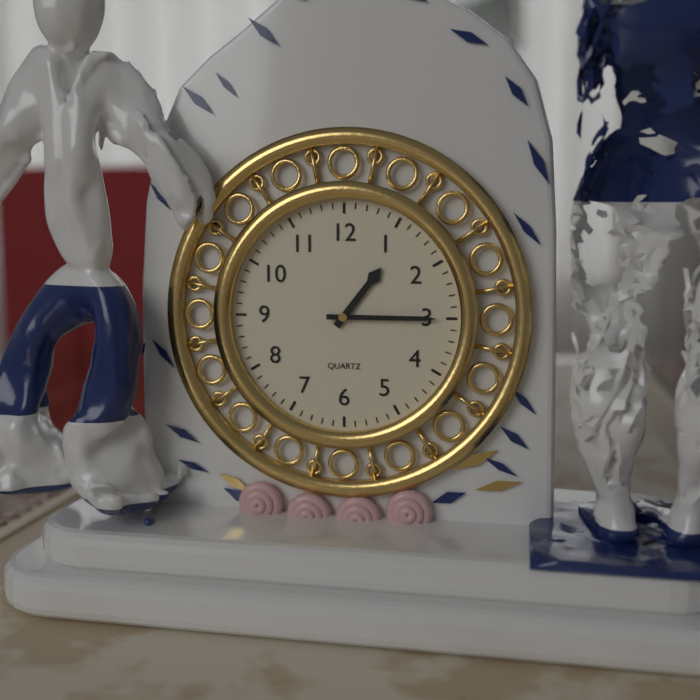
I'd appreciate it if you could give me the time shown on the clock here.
1:15
